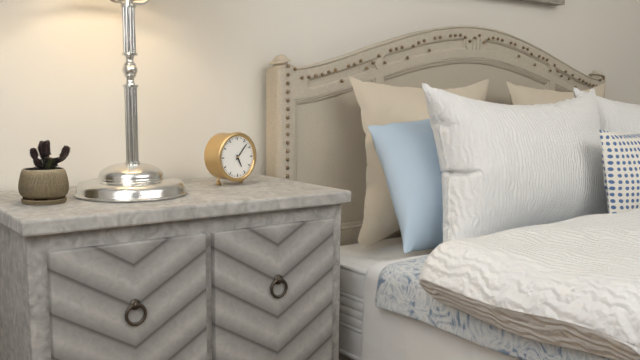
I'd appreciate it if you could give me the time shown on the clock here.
5:07
